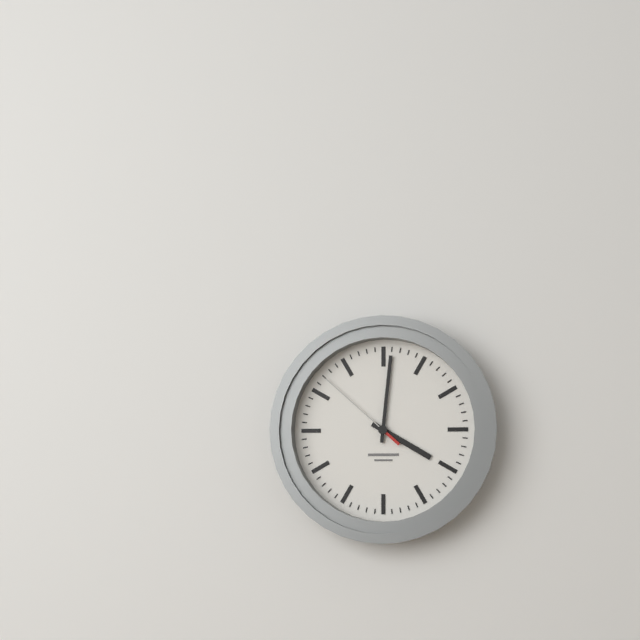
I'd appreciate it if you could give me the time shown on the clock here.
4:01:52
